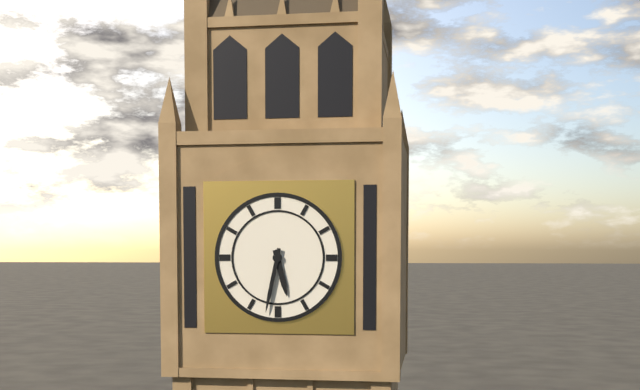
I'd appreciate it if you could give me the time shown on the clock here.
5:32
